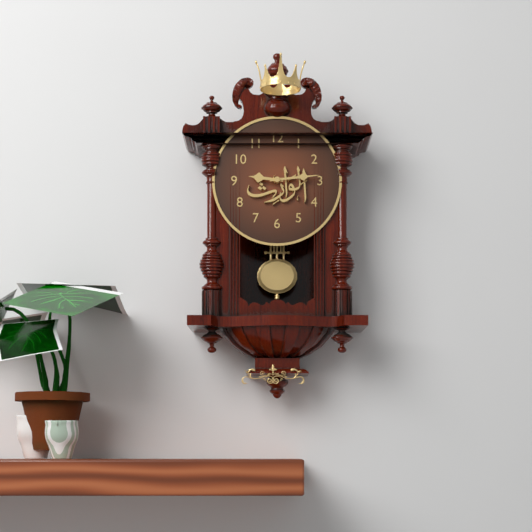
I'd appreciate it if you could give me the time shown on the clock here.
9:14
